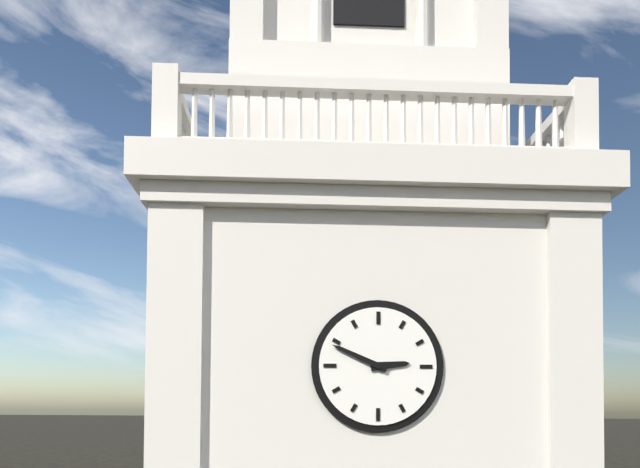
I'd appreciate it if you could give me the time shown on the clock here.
2:49
